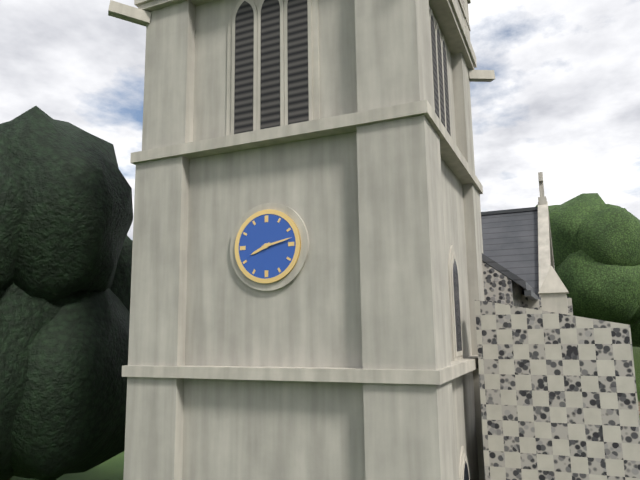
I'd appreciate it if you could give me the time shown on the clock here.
8:13
